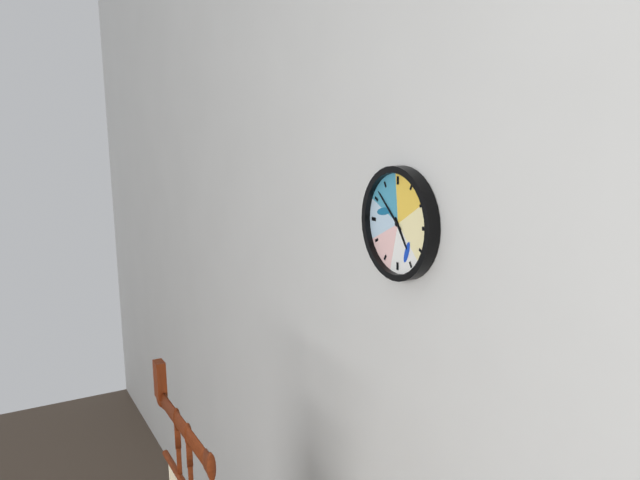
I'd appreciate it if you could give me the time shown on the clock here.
4:52
